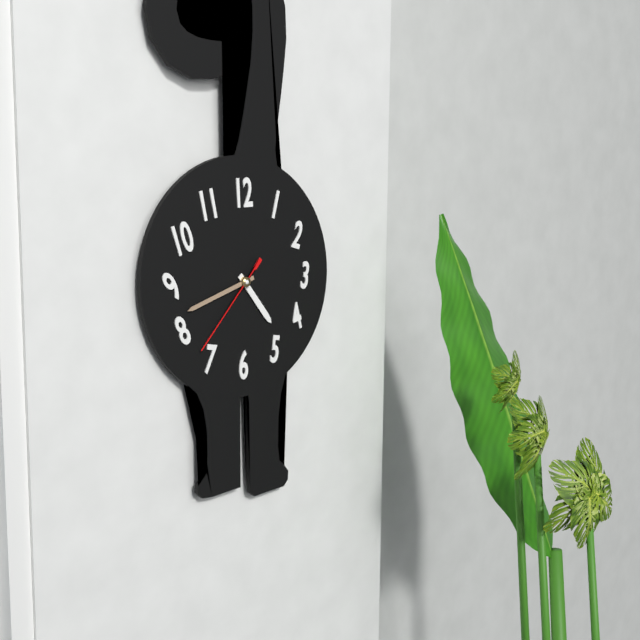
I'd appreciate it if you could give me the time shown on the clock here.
4:42:37
